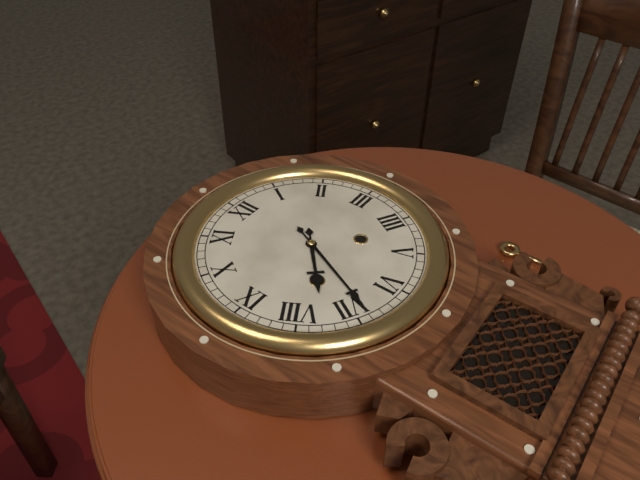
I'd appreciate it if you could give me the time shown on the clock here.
7:34
